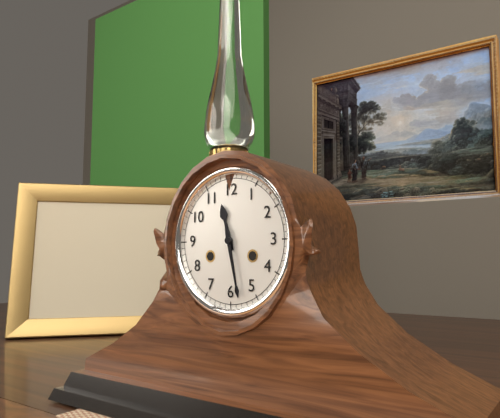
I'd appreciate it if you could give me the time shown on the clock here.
11:28
